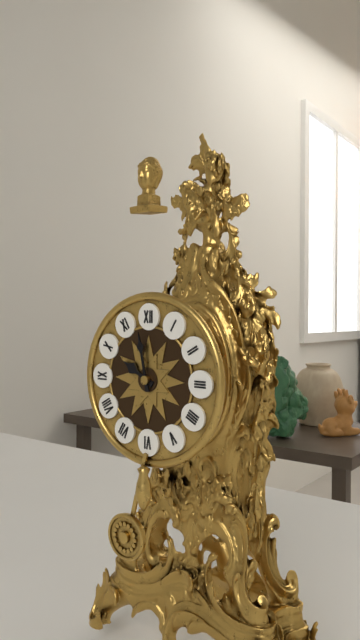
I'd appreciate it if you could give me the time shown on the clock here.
9:58
